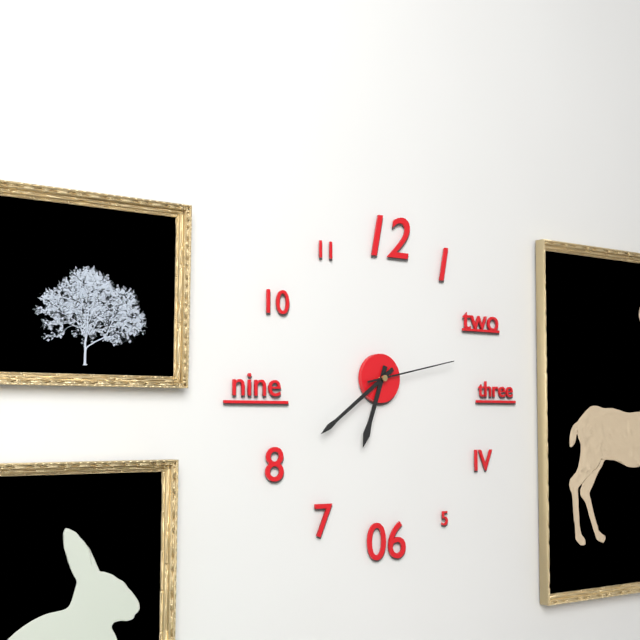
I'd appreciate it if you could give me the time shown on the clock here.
6:39:13
